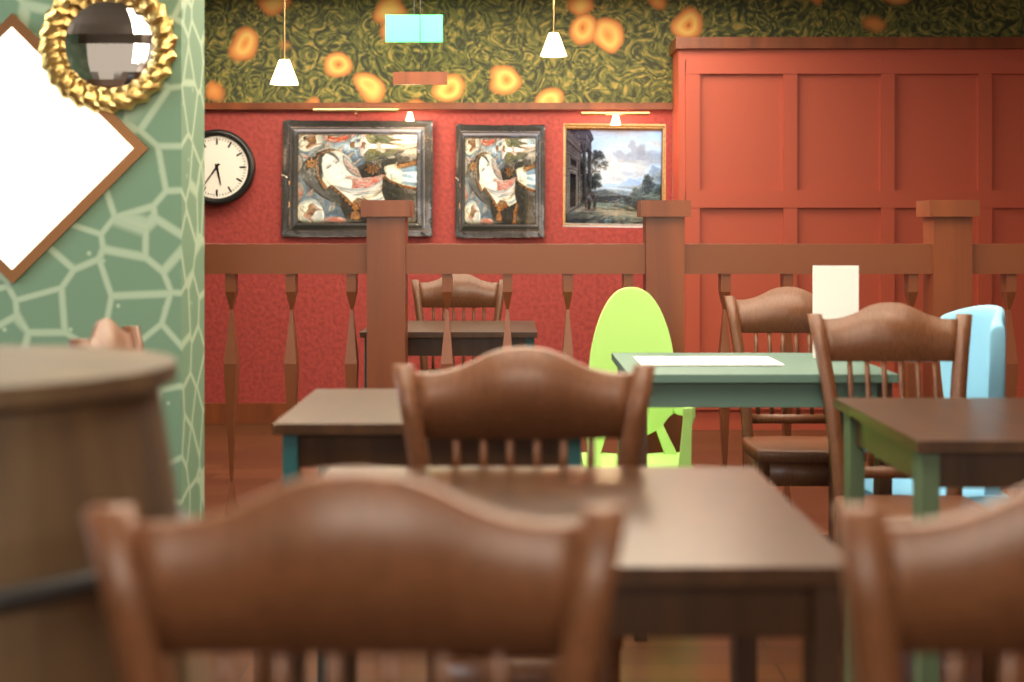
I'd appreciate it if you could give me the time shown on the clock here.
5:36
